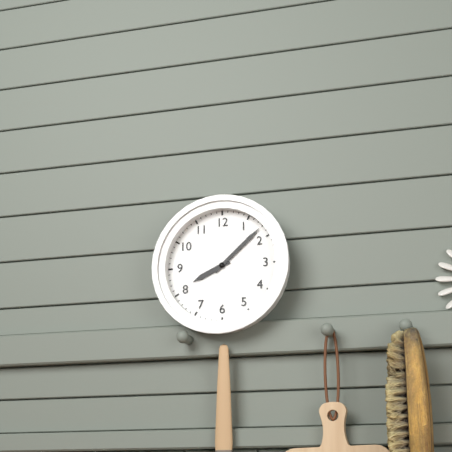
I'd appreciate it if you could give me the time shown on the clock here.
8:08
